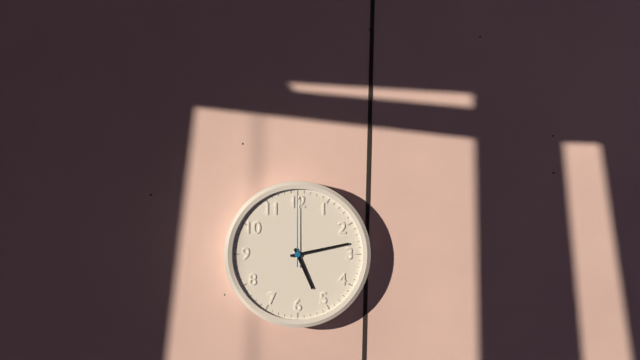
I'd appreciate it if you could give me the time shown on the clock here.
5:13:00
